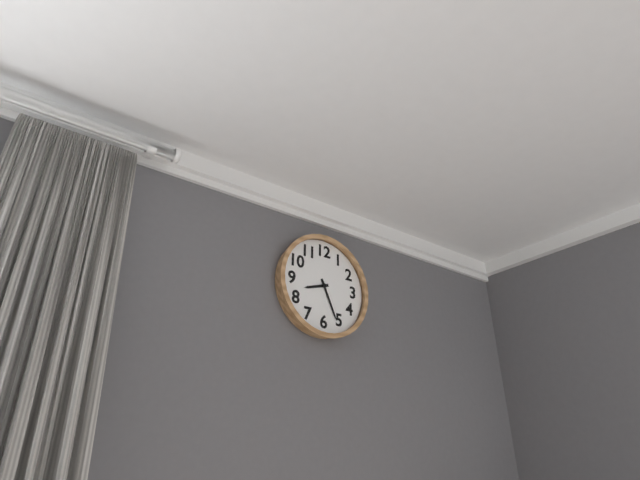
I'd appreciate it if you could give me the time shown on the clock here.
8:26
